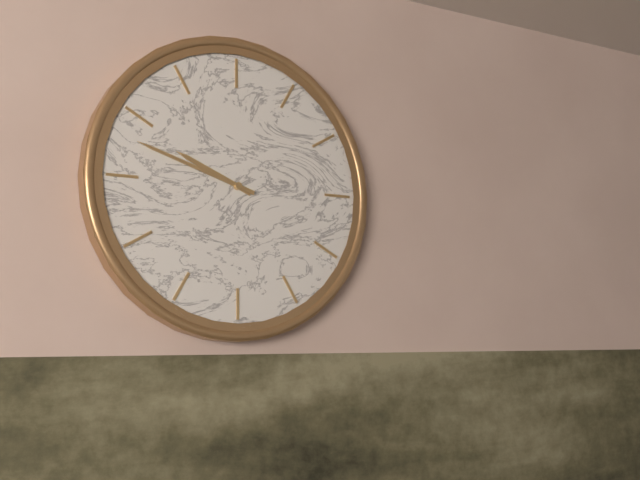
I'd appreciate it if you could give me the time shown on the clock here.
9:48
